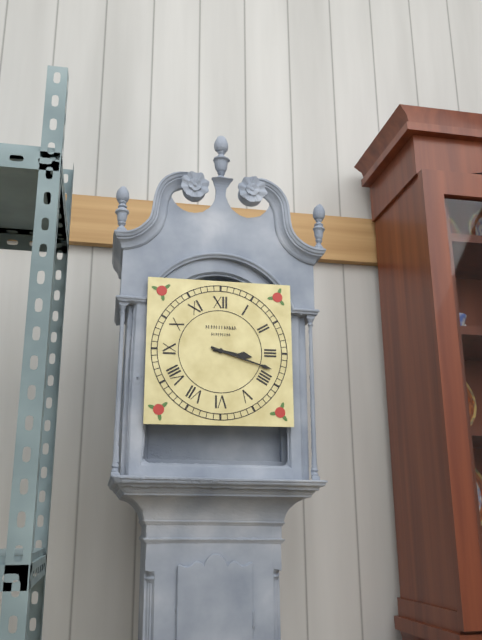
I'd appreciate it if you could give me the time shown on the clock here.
3:18
